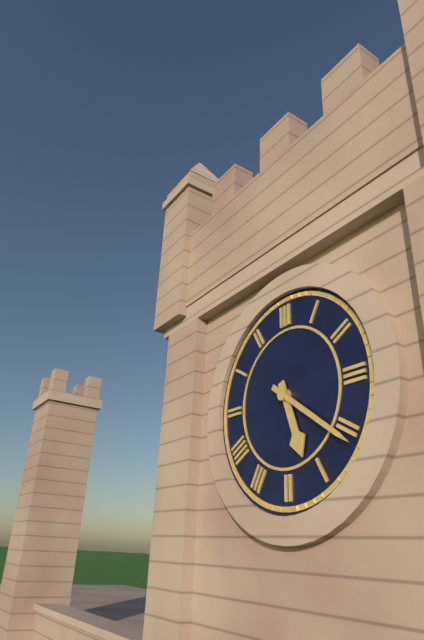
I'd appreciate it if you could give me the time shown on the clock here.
5:21
